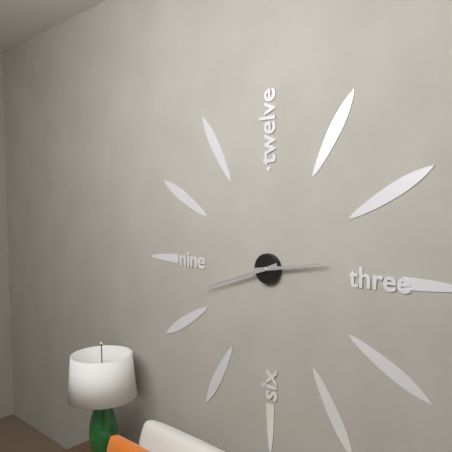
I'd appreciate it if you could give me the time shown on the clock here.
2:42
